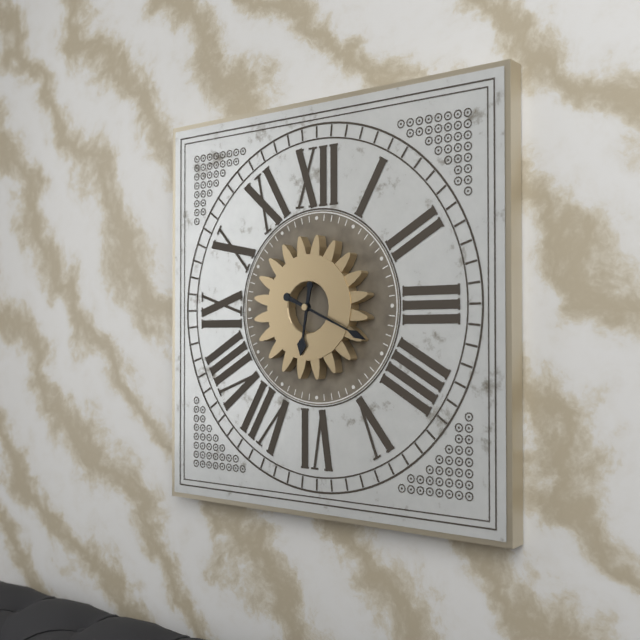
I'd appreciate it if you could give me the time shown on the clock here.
6:19
